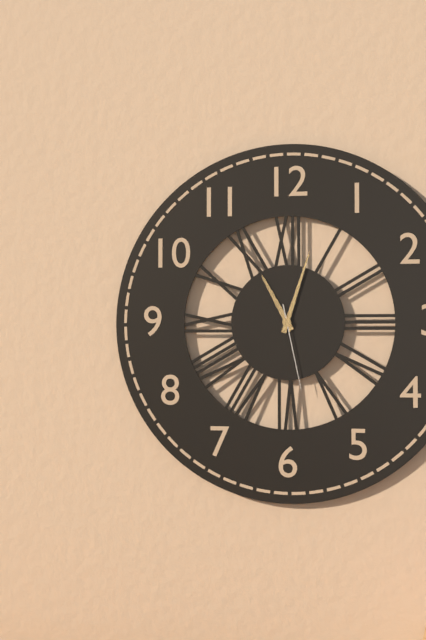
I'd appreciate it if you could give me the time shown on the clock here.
11:03:28
